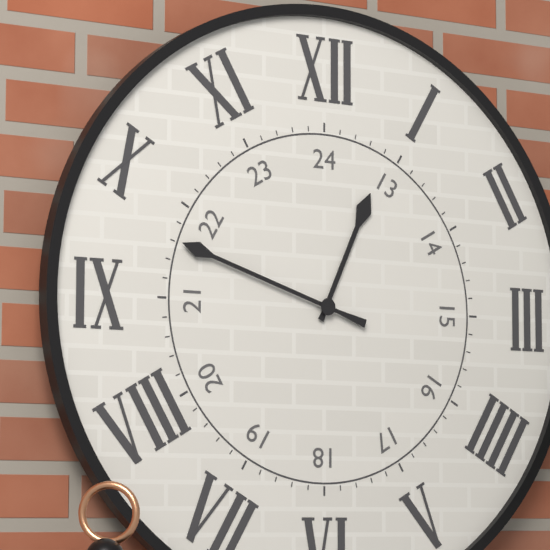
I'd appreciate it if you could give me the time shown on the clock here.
12:48
